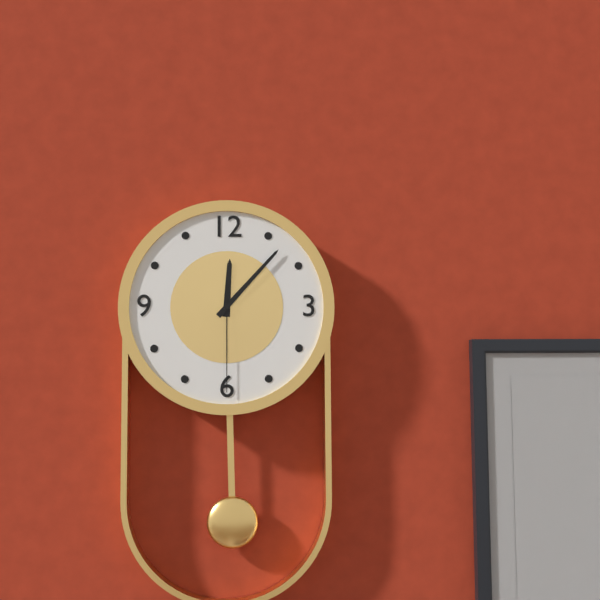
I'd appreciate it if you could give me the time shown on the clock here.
12:07:30
